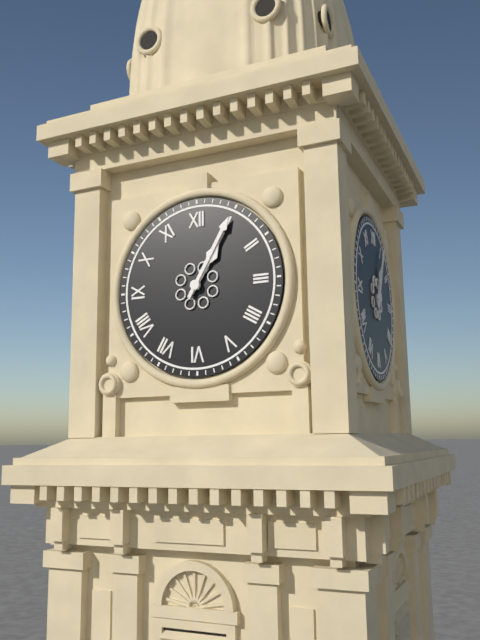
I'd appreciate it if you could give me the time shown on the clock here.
1:05
